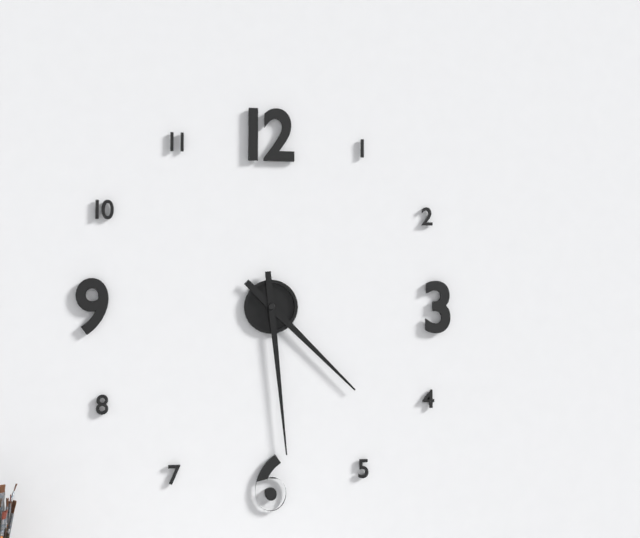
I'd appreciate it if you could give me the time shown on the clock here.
4:29
